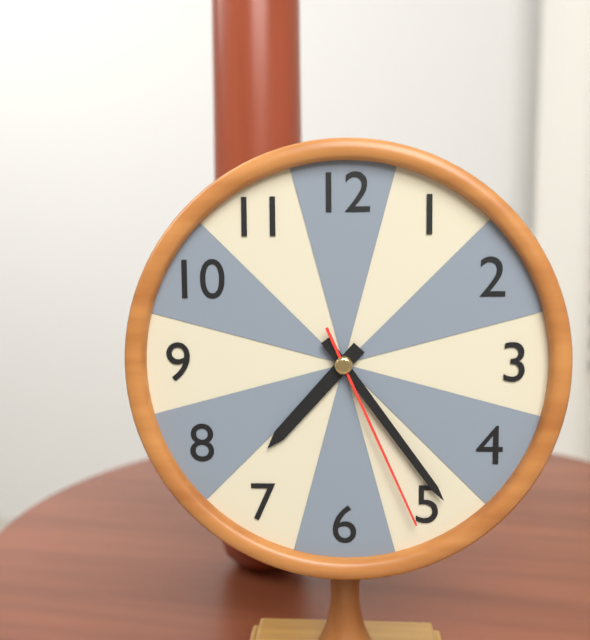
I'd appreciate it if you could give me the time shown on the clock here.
7:24:26
